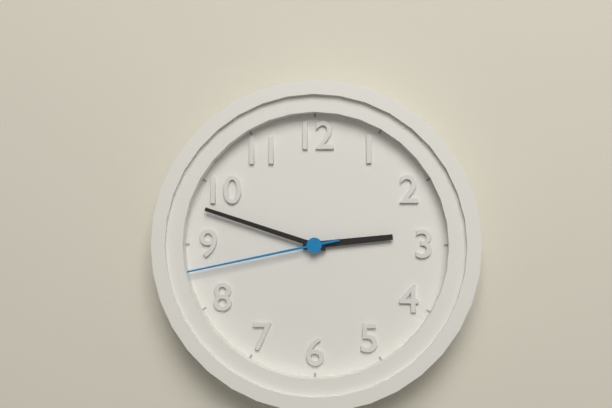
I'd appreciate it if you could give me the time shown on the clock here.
2:48:43
